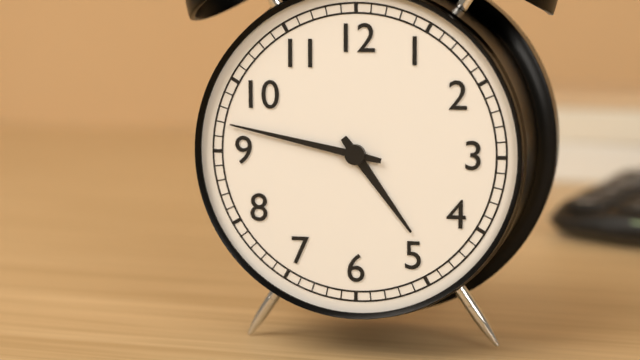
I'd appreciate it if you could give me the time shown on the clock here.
4:47
